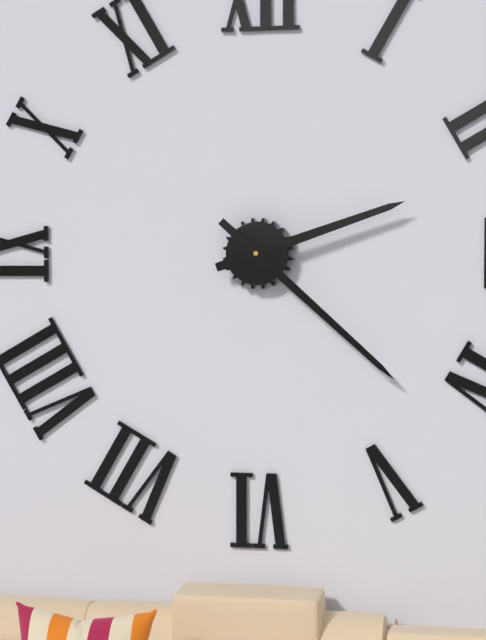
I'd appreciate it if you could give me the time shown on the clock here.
2:22
